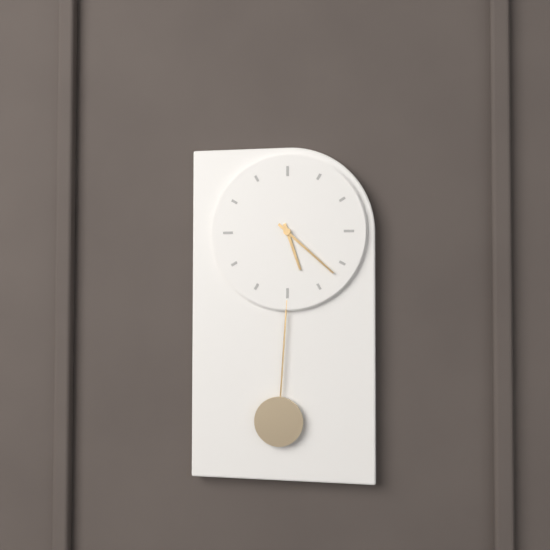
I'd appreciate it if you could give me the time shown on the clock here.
5:22
